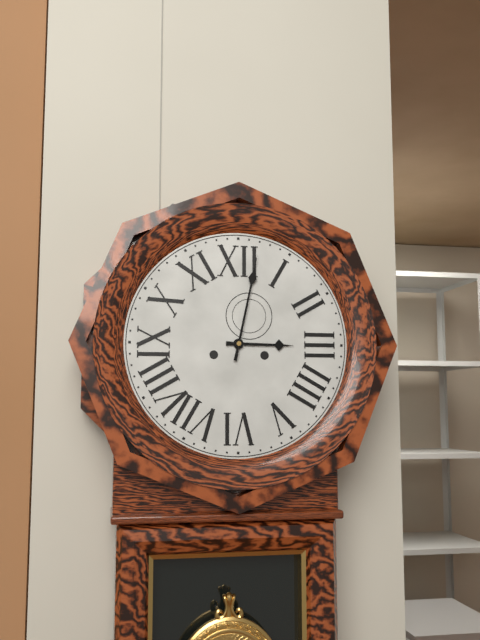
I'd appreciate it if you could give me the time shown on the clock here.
3:02
